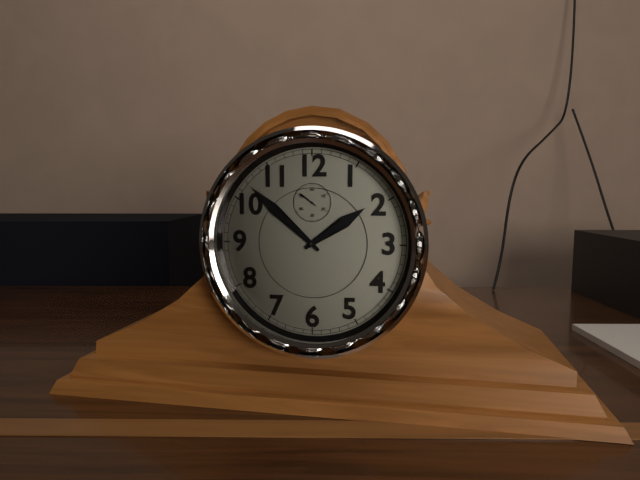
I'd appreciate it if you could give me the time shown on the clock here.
1:52
